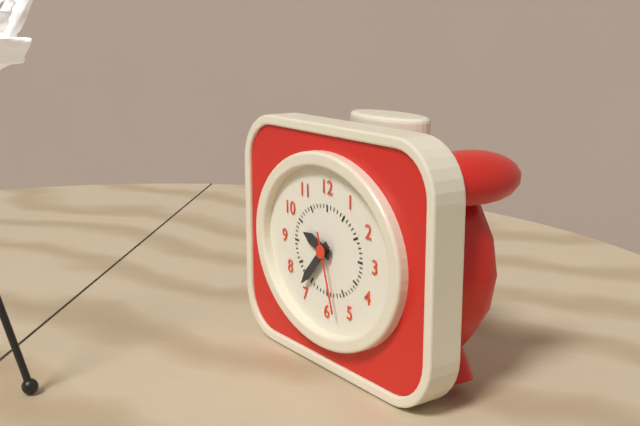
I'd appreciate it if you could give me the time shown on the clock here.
9:37:27
